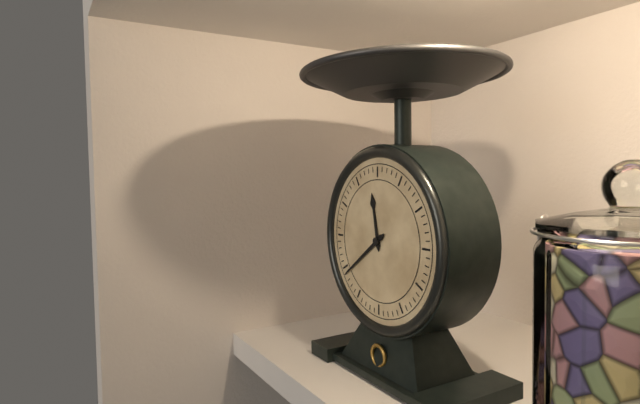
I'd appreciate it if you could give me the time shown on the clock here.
11:39
